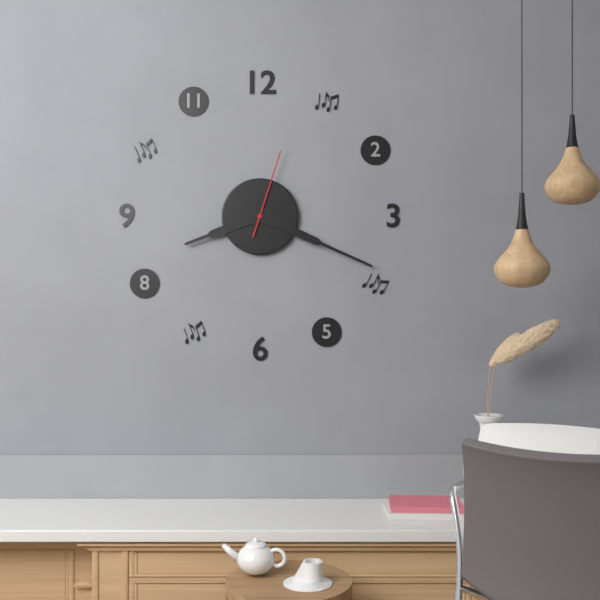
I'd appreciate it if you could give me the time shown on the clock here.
8:19:03
